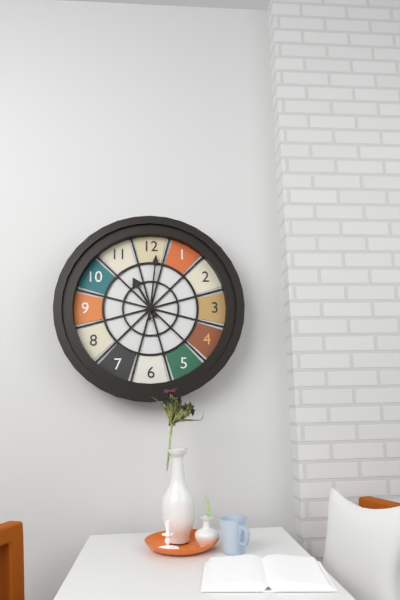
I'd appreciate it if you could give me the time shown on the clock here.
11:01
